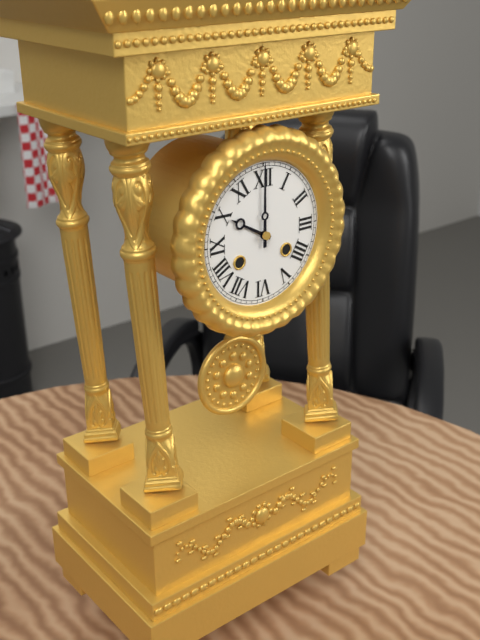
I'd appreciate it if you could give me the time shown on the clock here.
10:00
